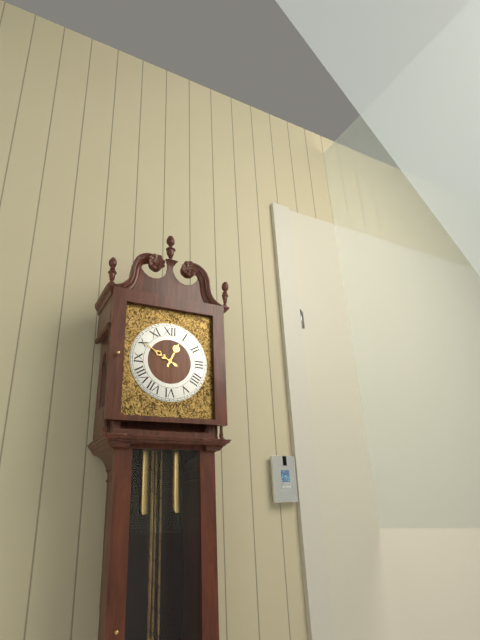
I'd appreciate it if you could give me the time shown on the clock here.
12:50
